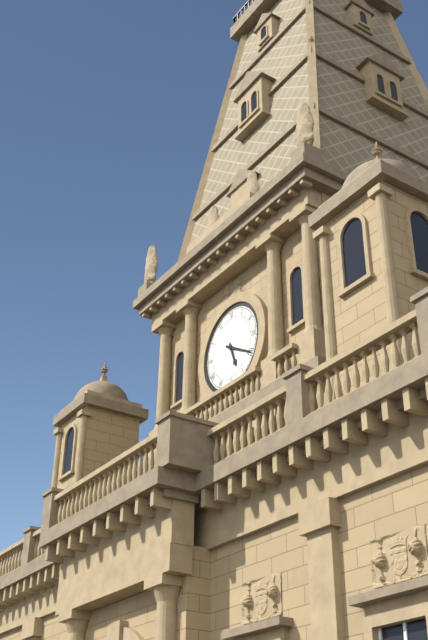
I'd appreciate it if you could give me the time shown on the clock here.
5:20
